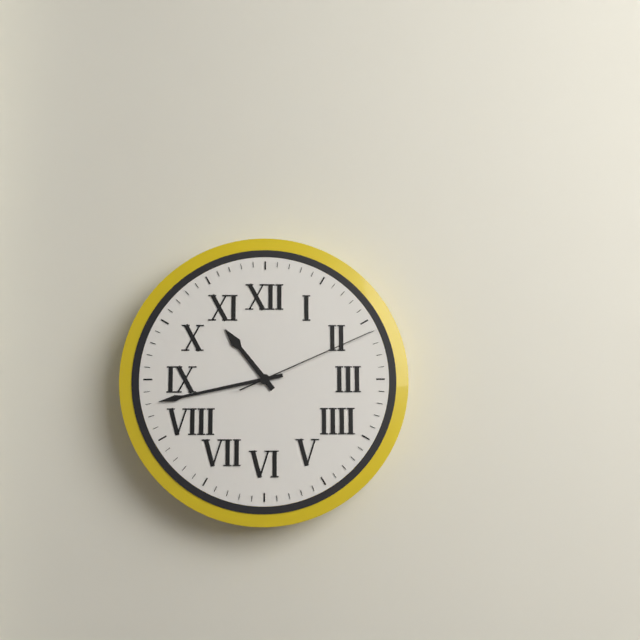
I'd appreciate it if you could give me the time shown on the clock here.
10:43:11
